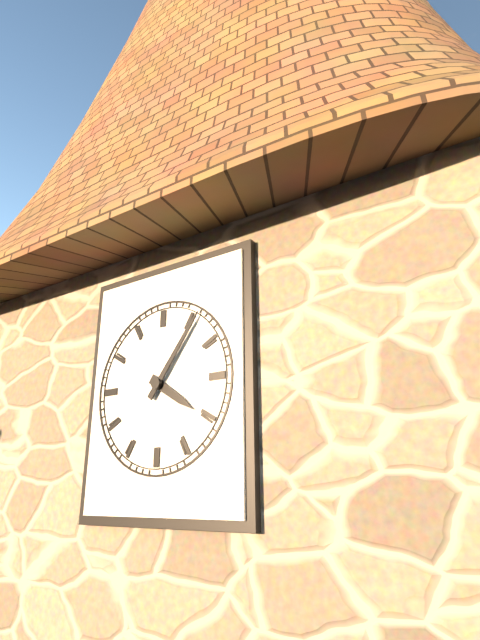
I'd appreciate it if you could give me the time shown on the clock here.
4:06
